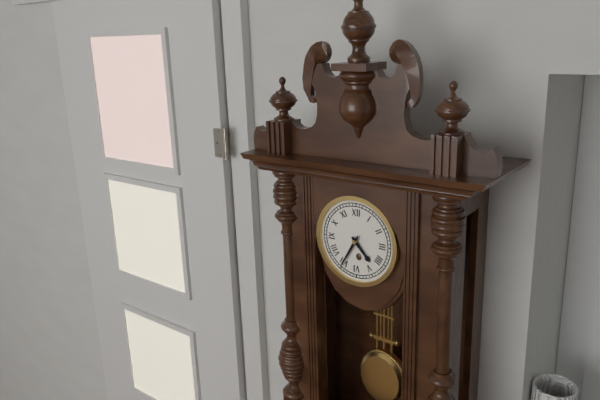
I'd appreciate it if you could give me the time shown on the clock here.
4:35
